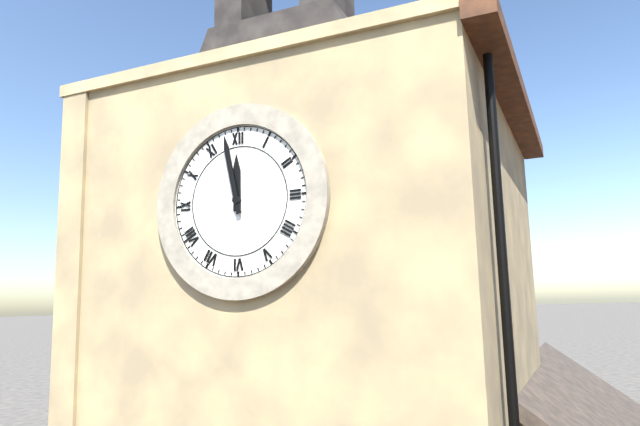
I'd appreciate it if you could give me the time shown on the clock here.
11:58
